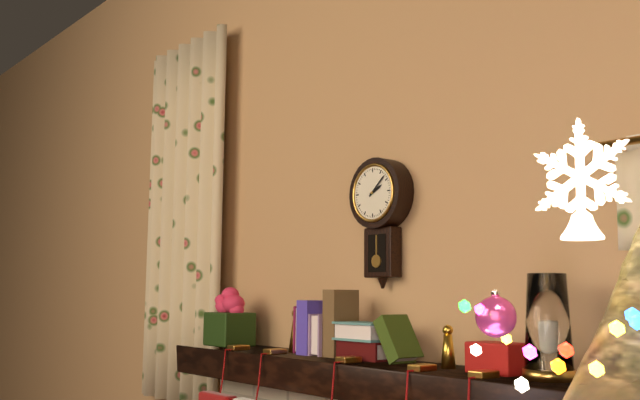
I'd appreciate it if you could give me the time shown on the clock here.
2:08
